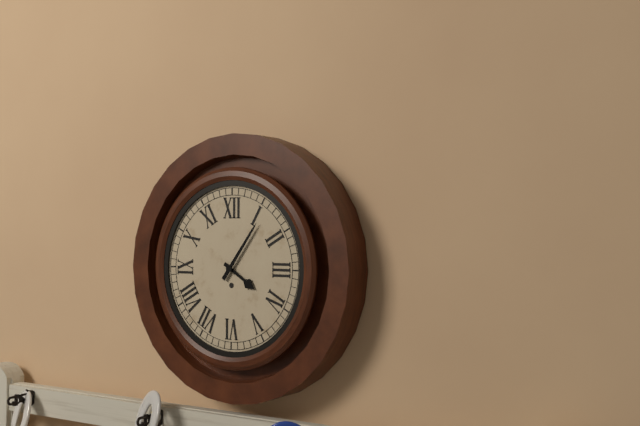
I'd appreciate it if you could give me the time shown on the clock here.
4:06
